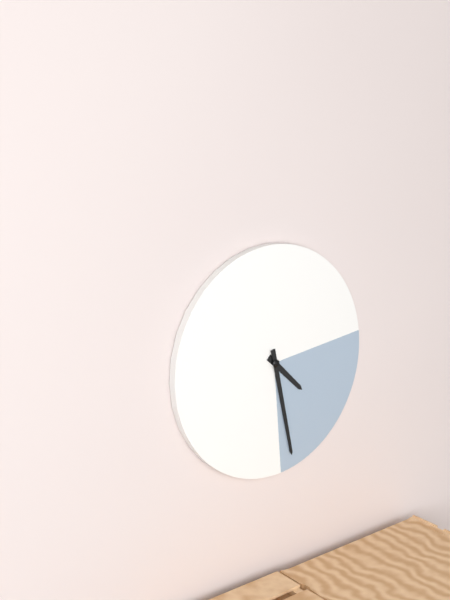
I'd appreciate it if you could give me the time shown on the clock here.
4:28
